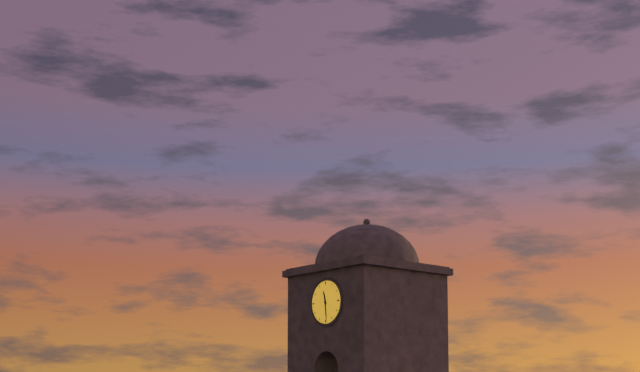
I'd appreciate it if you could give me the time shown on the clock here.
11:29
